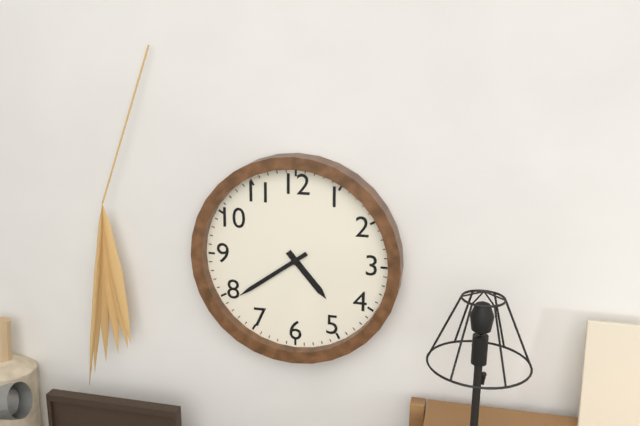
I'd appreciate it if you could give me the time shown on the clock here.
4:39
